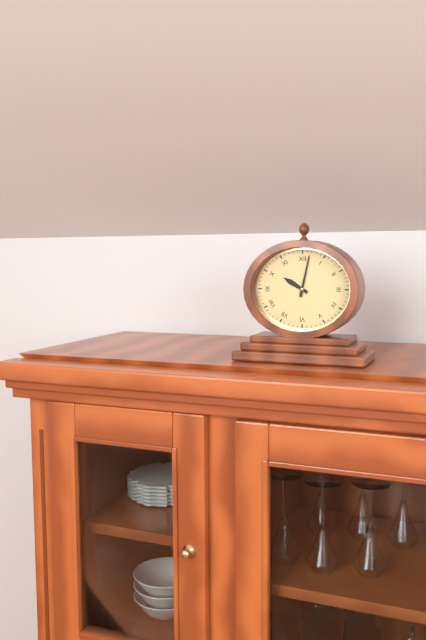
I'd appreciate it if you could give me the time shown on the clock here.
10:02
